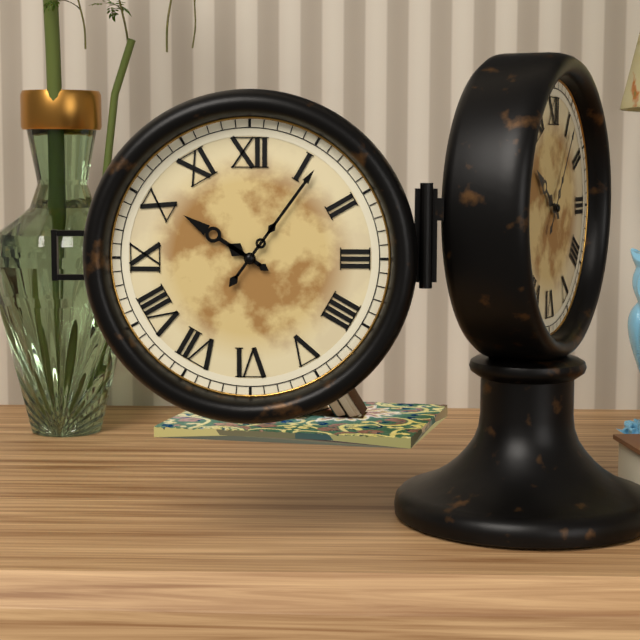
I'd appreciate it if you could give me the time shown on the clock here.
10:06
